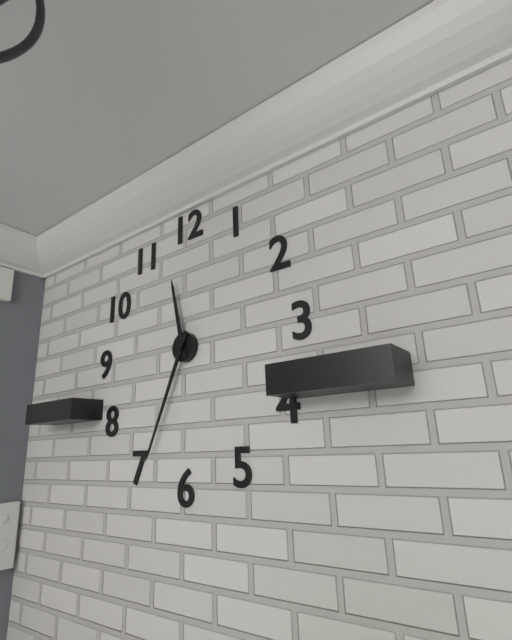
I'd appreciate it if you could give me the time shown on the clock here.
11:34
